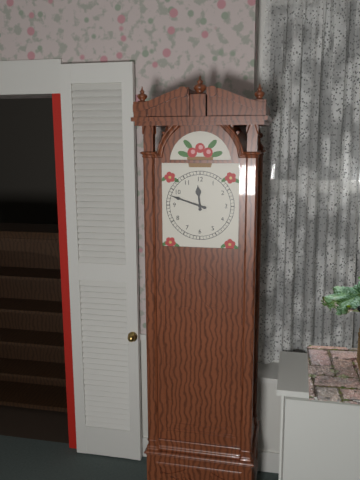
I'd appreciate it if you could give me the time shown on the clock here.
11:48
